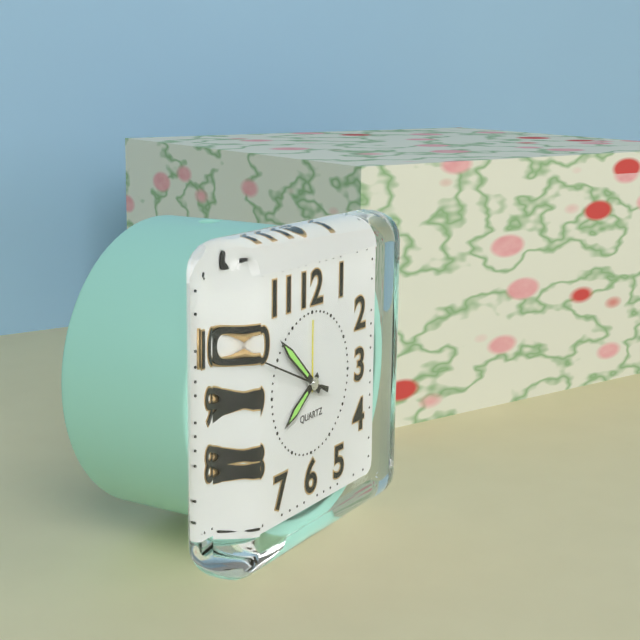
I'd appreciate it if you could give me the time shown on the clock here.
7:52
